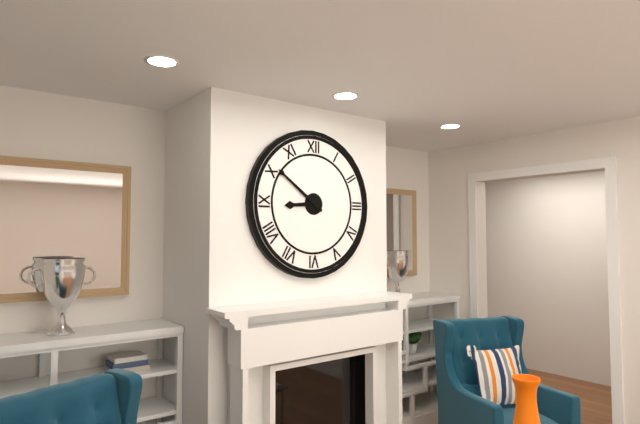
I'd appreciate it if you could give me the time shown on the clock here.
8:51
